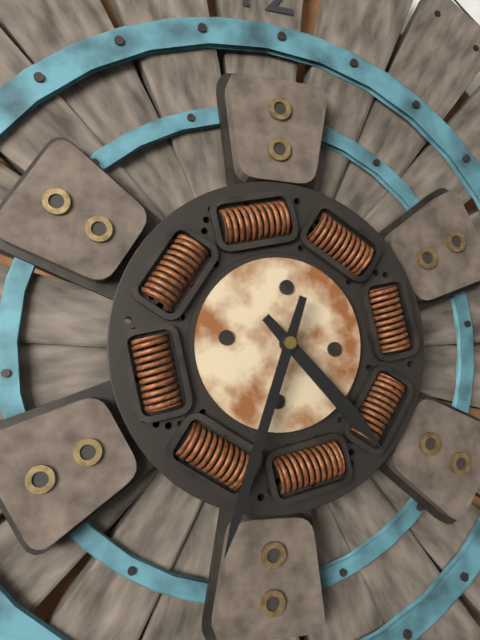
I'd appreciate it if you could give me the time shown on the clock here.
4:33
